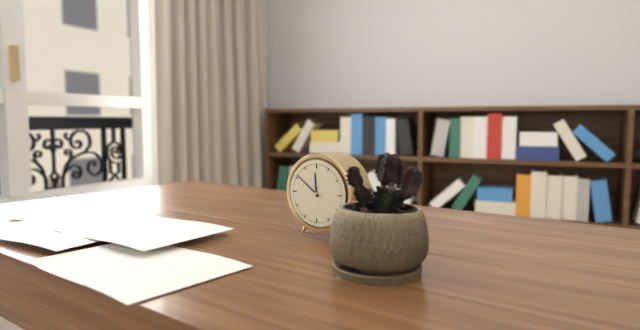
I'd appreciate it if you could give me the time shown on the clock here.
11:51
